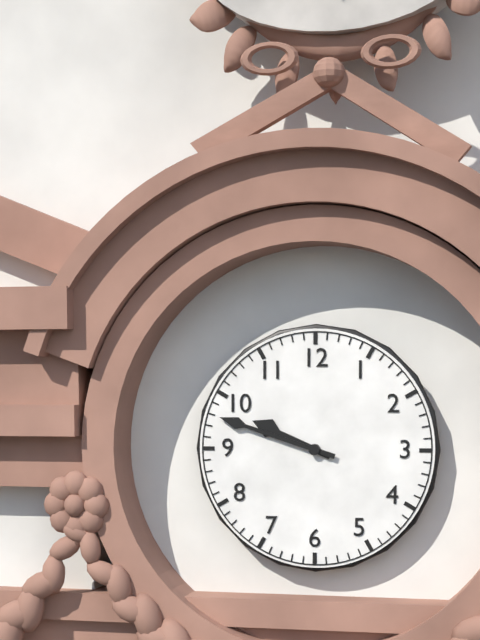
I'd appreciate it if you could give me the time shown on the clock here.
9:48
